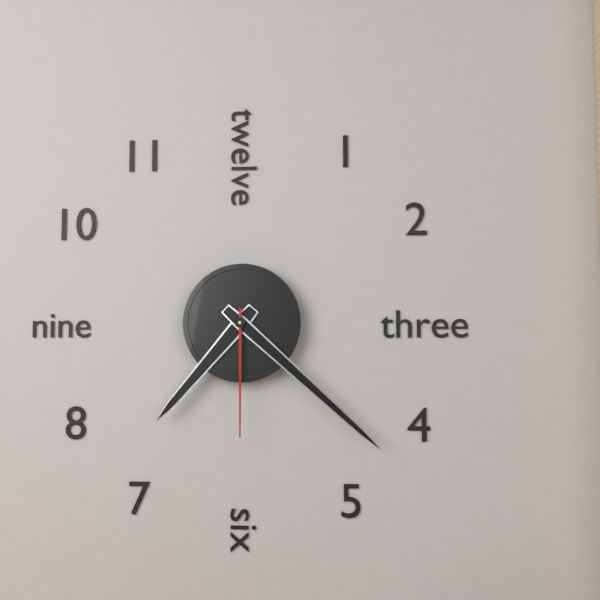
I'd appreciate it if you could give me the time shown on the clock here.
7:22:30
